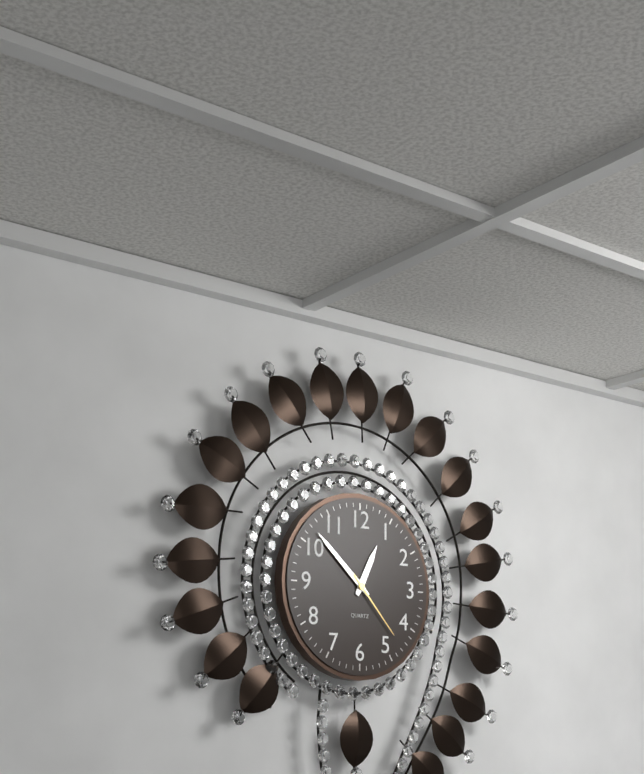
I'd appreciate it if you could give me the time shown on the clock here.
12:52:23
